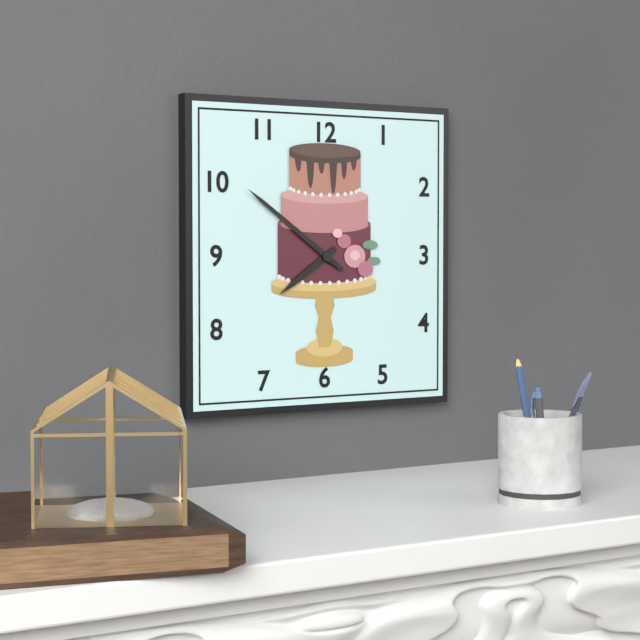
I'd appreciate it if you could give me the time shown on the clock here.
7:51
